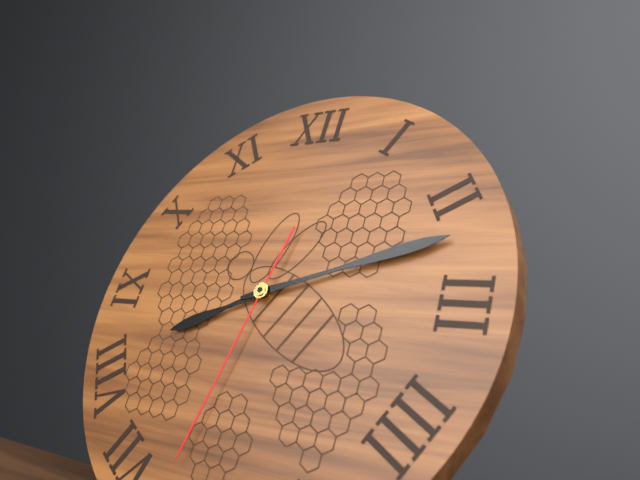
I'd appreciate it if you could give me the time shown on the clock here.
8:12:32
